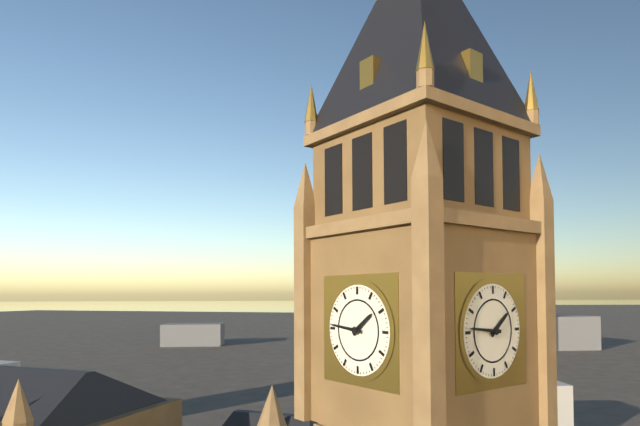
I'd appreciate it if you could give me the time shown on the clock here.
1:46
